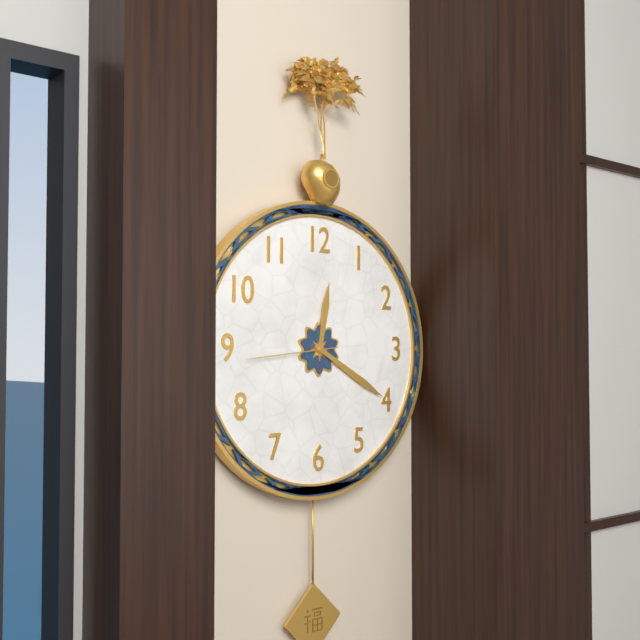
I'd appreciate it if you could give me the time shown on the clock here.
12:20:44
